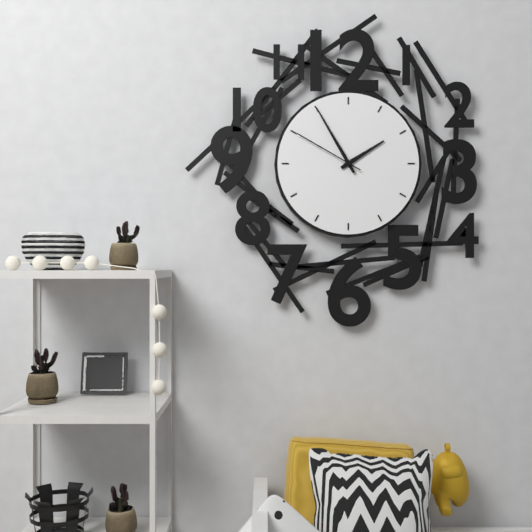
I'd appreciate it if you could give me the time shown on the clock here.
1:55:50
